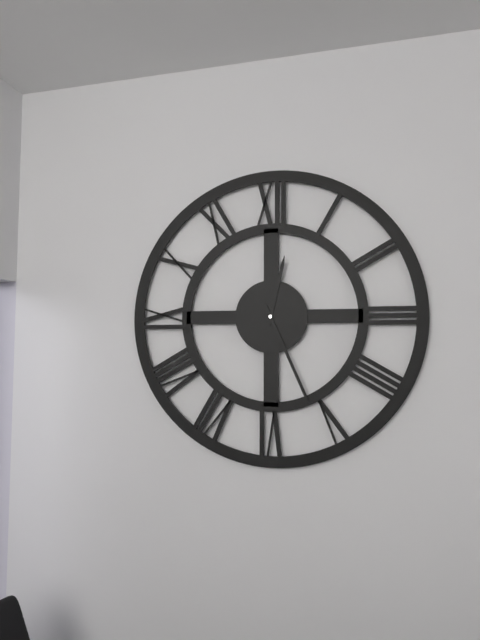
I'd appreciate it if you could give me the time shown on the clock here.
12:26
